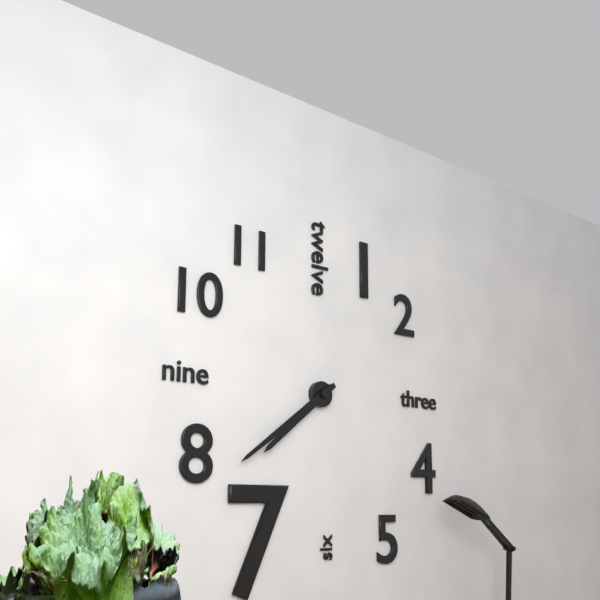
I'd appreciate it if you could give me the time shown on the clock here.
7:39
